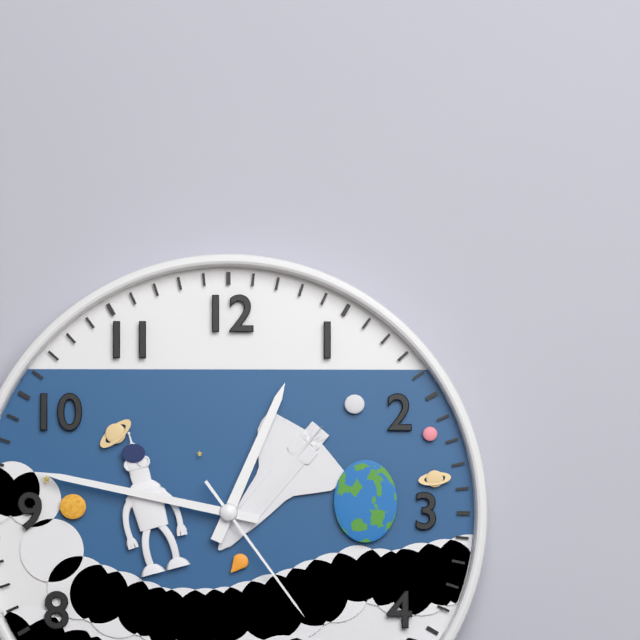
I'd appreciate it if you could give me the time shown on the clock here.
12:47:24
